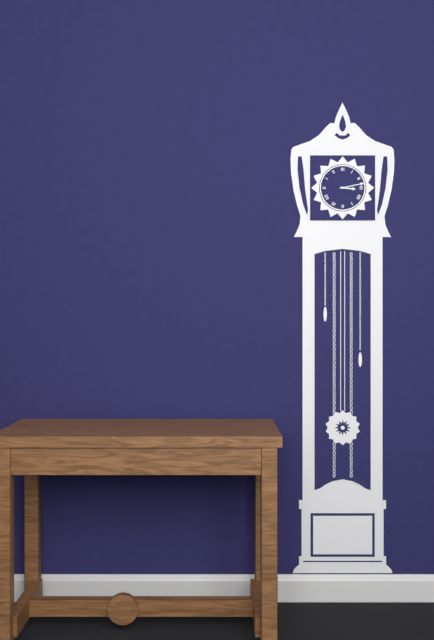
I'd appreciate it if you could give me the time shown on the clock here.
3:13
